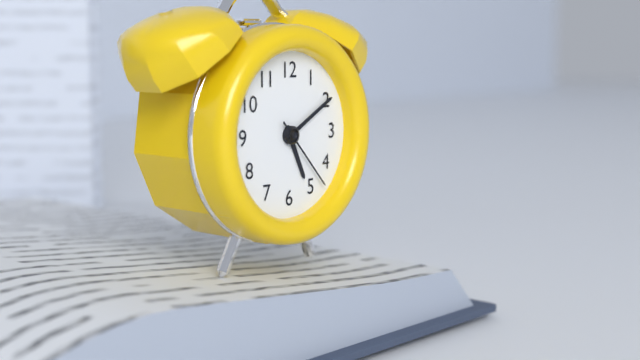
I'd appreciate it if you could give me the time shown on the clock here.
5:10:23
